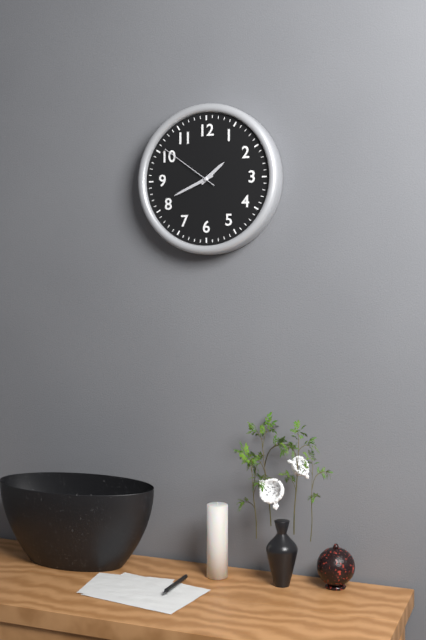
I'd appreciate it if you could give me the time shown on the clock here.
1:41:51
